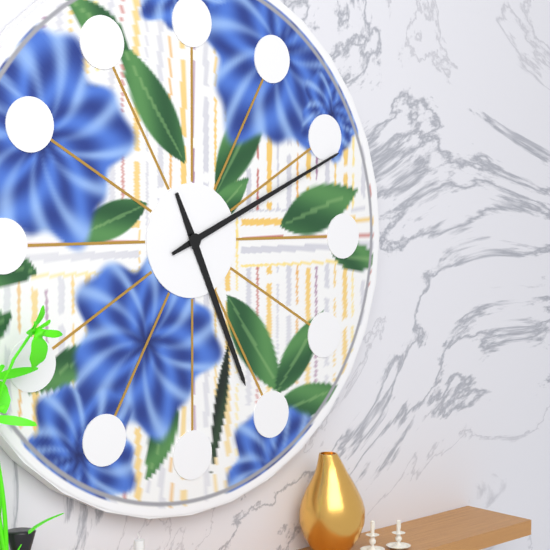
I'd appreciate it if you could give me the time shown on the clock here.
5:11
